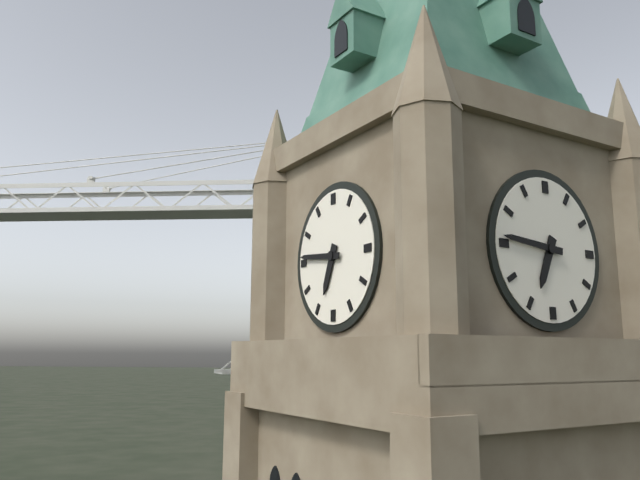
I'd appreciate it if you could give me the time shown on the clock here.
6:46
